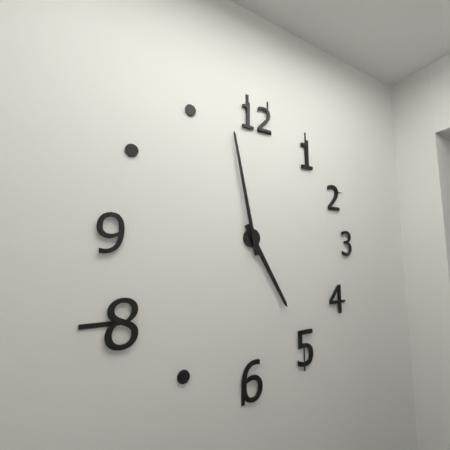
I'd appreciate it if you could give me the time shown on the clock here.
4:58
